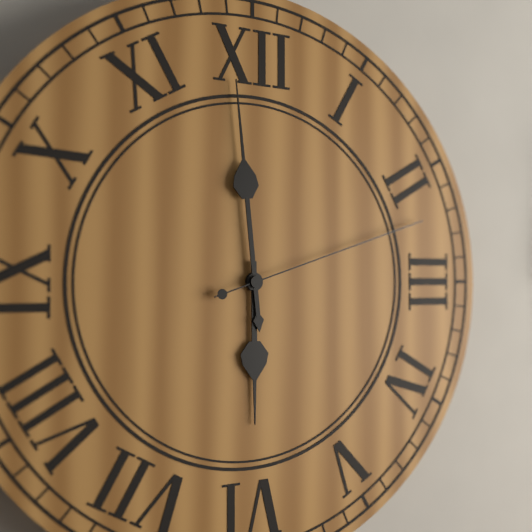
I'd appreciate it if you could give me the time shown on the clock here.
5:59:12
